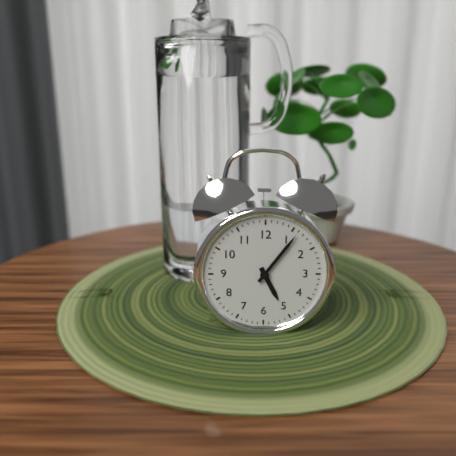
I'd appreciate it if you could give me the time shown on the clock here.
5:06
